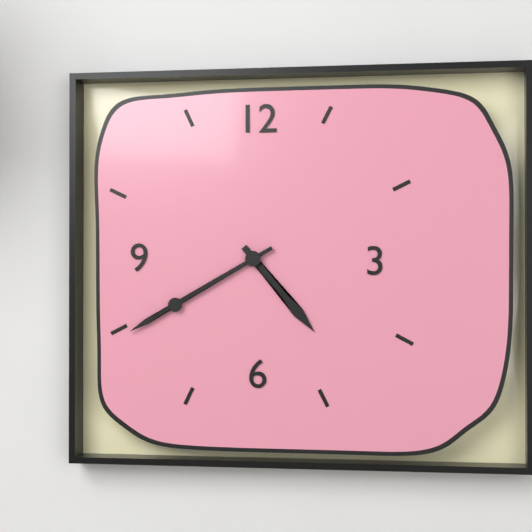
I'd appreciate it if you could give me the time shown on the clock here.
4:40
